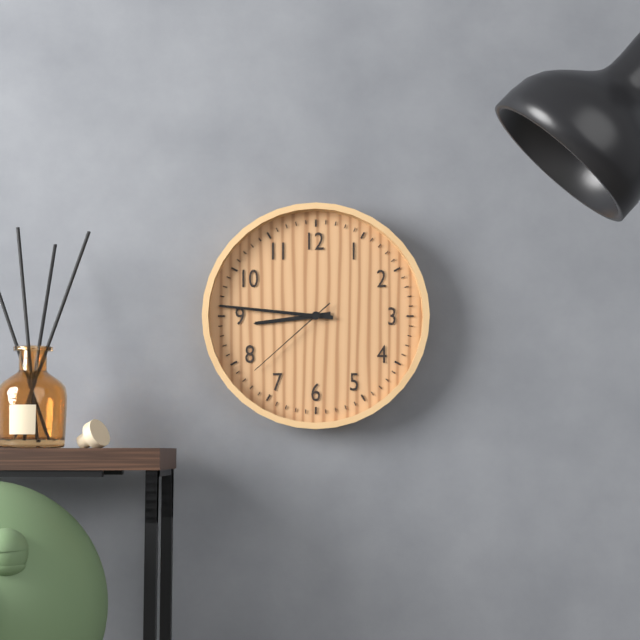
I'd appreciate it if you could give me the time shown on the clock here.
8:46:38
